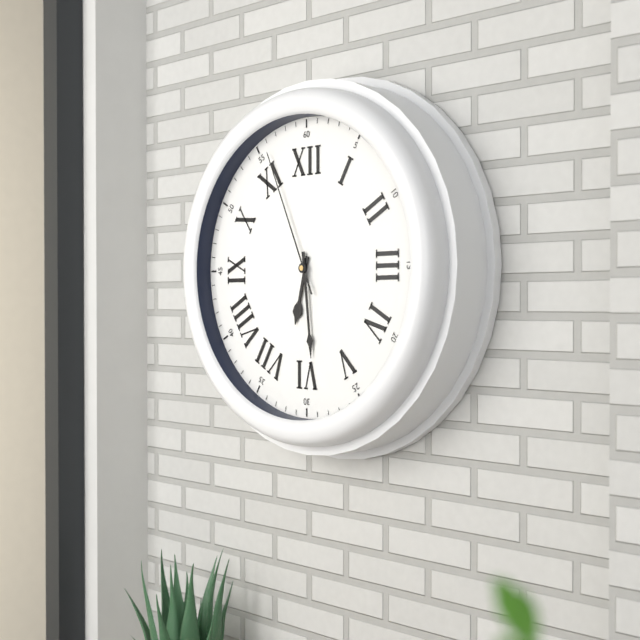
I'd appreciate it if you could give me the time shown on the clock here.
6:29:56
